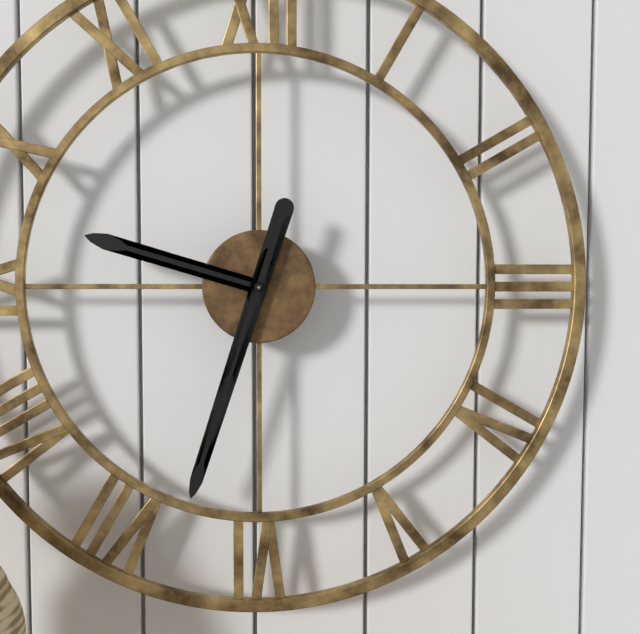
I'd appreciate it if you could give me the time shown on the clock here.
9:33
